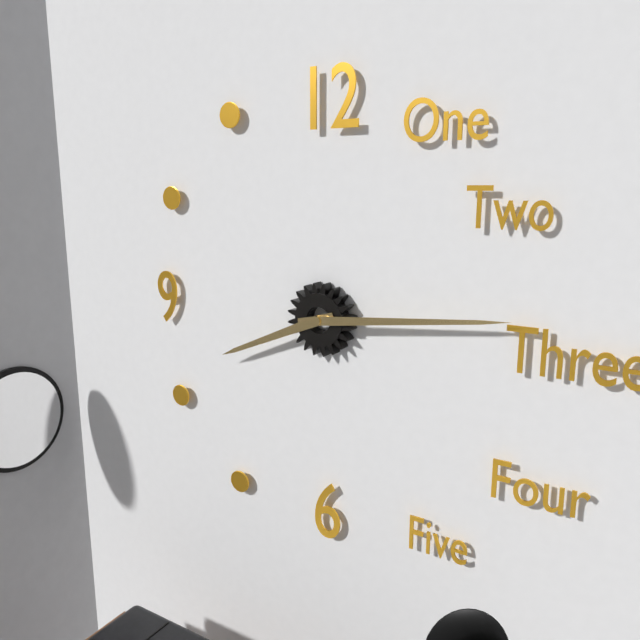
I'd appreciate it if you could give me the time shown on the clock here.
8:14
